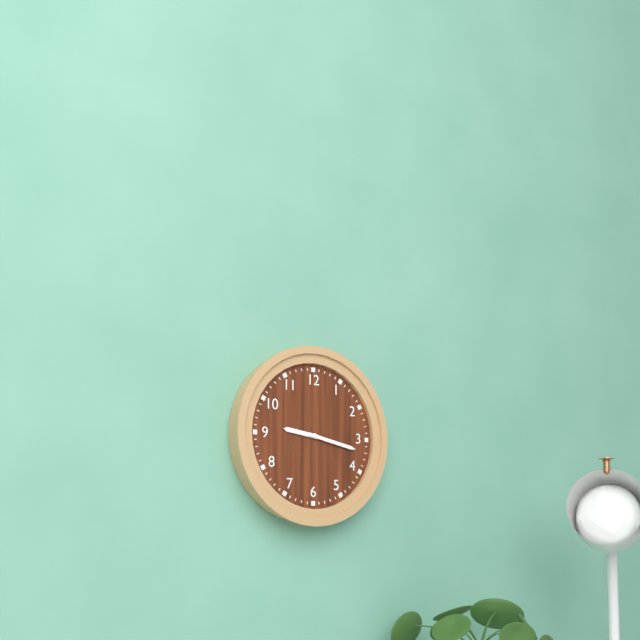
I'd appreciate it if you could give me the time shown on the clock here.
9:17
